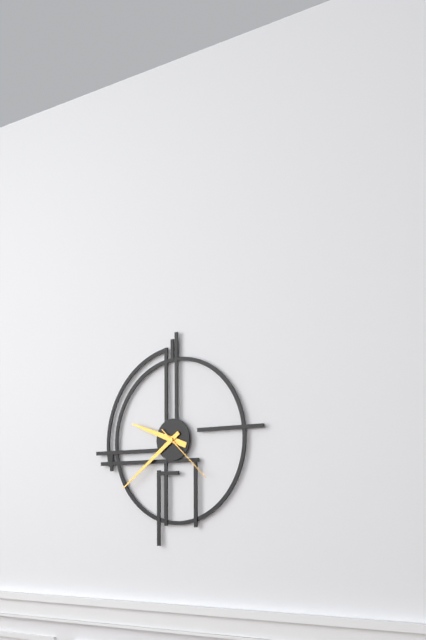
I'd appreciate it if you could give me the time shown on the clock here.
9:39:22
